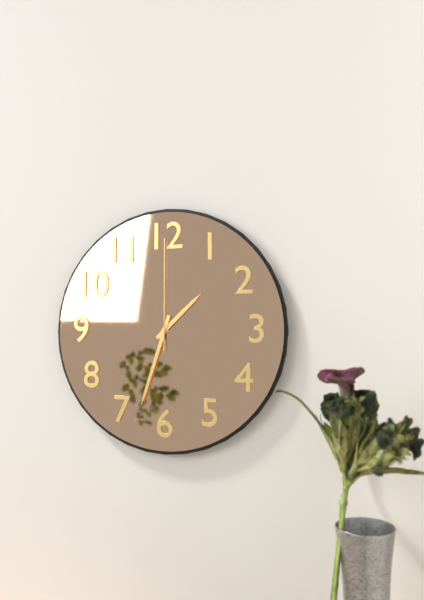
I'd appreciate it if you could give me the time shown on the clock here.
1:33:00
